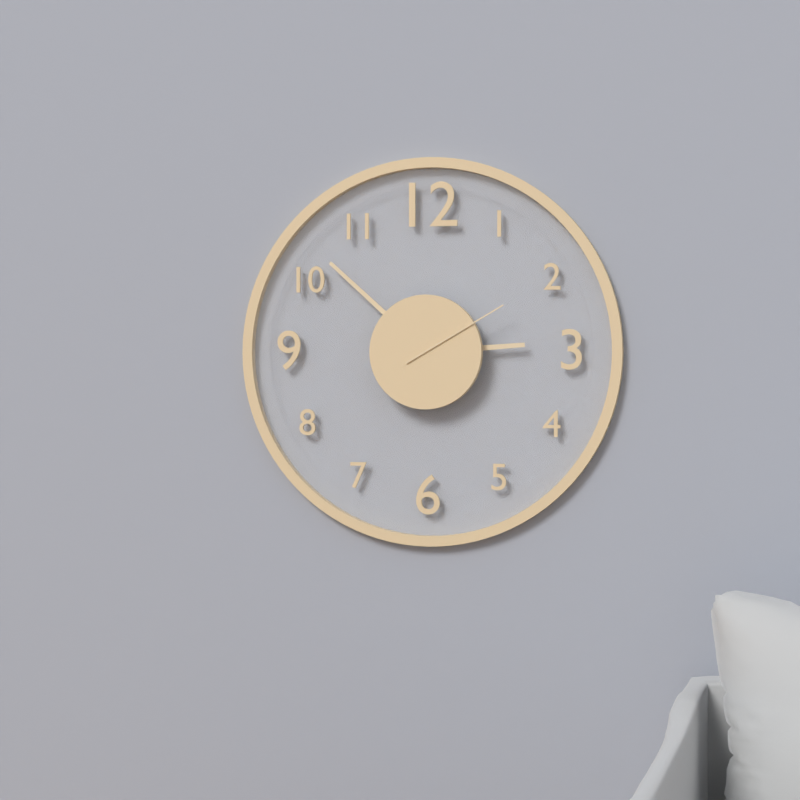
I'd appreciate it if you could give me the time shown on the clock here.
2:52:10
